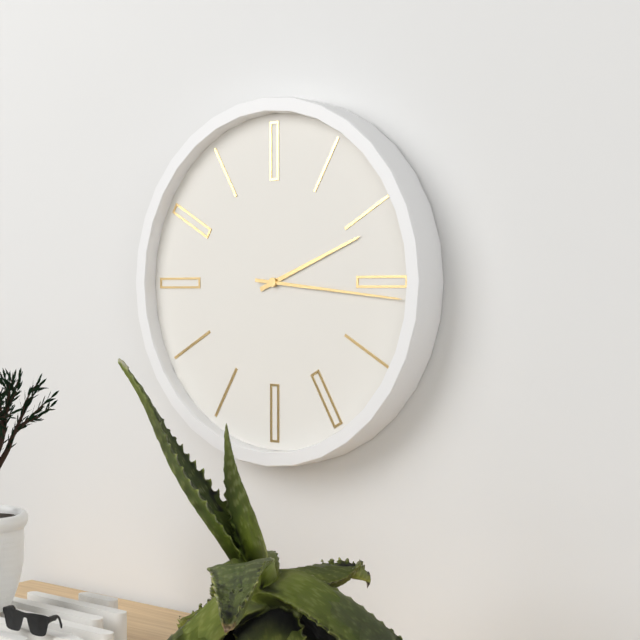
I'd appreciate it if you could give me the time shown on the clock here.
2:16
